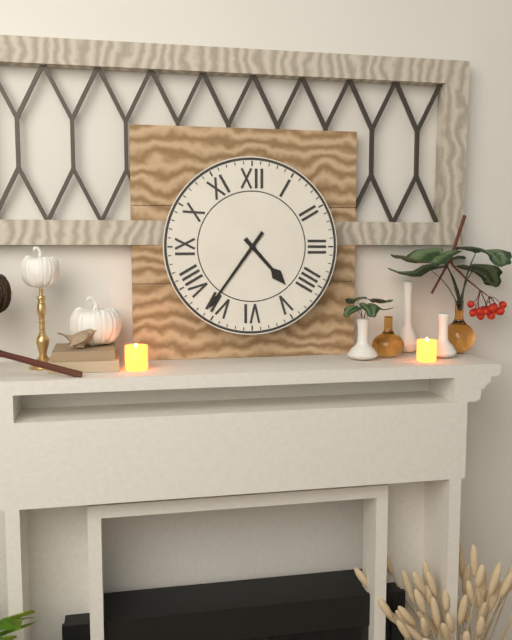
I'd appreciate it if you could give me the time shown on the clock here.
4:36
